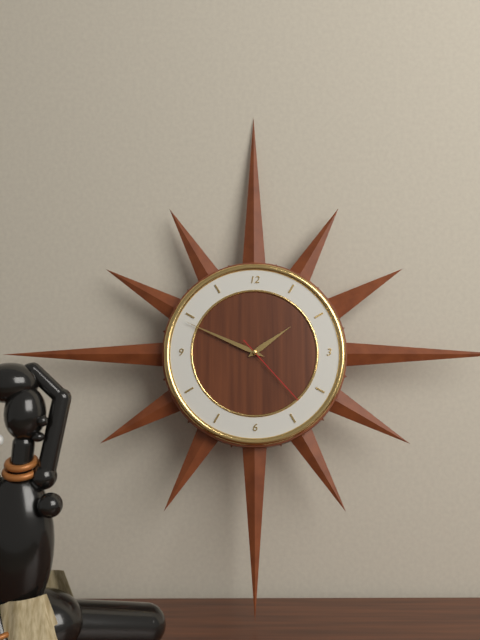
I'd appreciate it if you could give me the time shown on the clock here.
1:49:23
